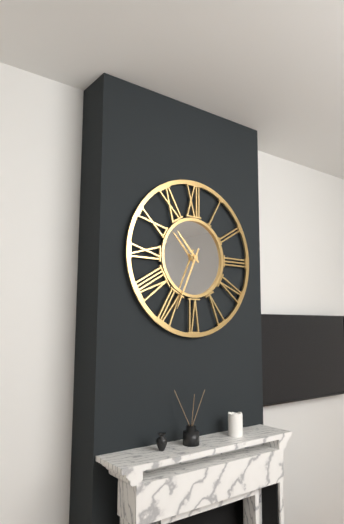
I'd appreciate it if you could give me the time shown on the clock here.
10:34
